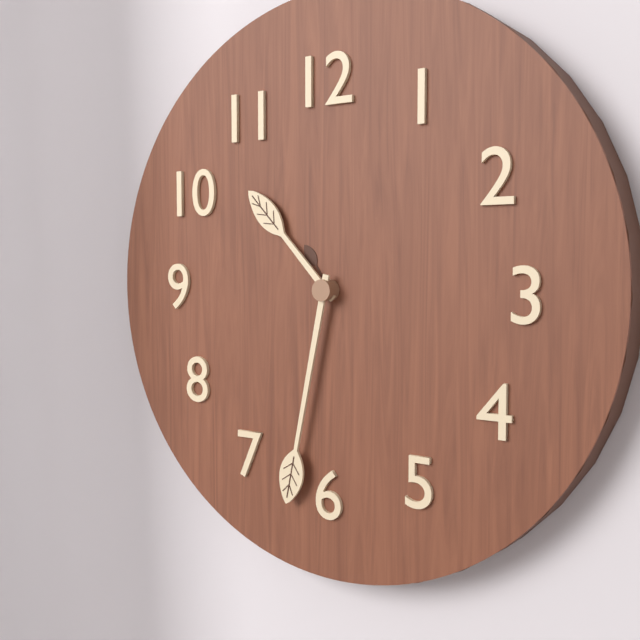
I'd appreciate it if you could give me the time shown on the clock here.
10:32
